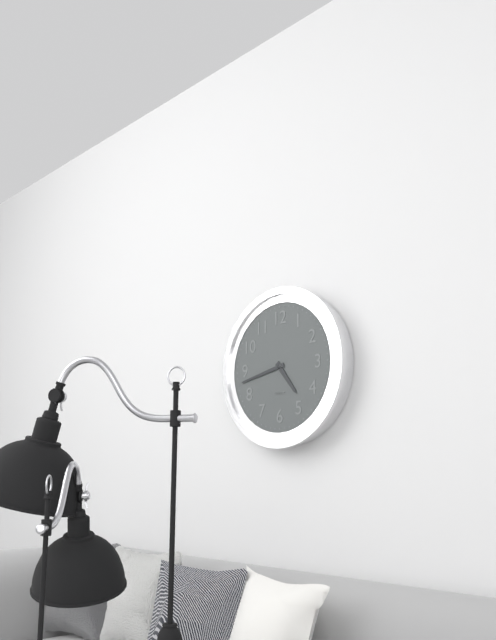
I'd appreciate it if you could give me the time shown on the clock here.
4:43
